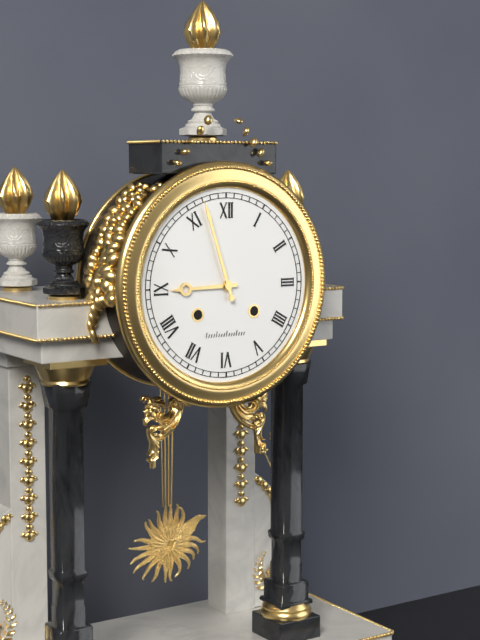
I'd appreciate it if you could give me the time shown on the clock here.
8:57
